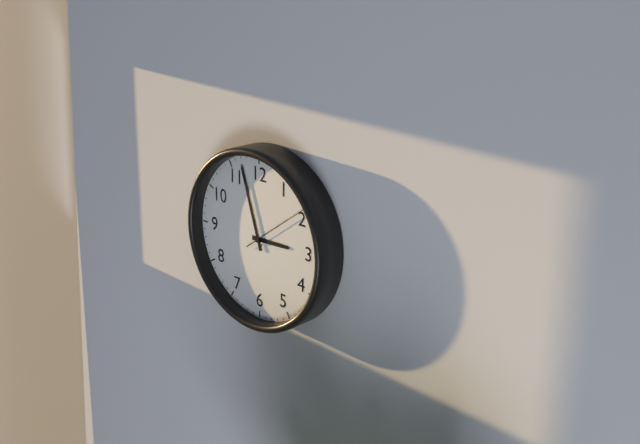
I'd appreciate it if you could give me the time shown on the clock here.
2:57:09
